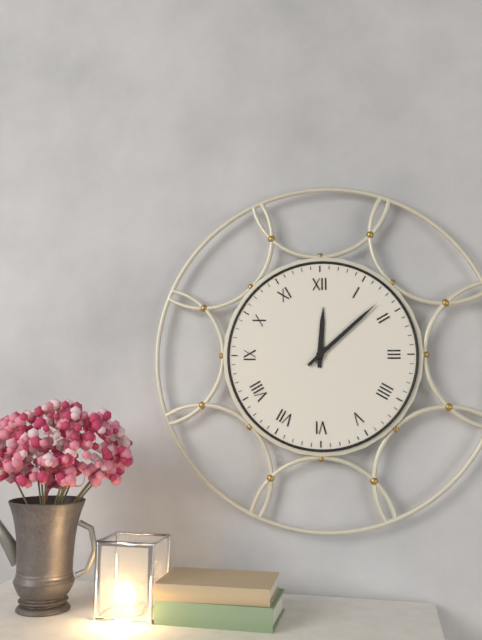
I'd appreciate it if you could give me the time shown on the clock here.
12:08
